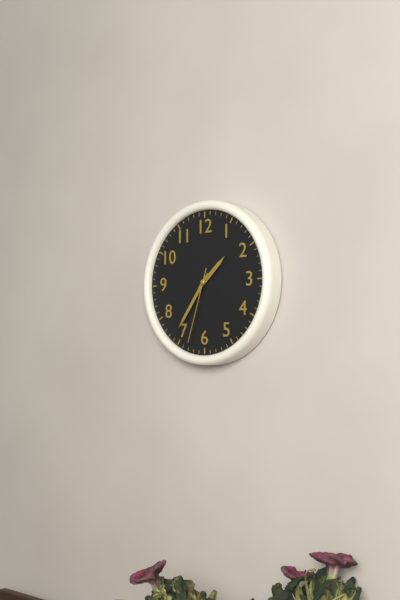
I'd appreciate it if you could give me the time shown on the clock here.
1:36:33
